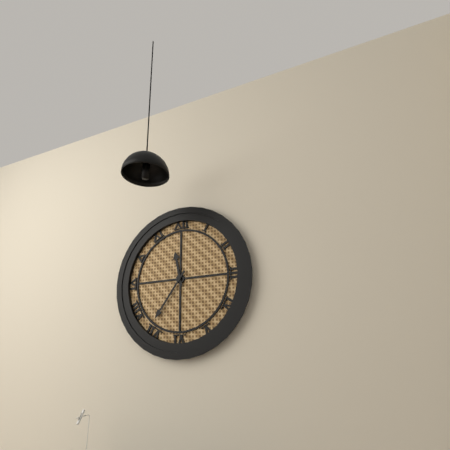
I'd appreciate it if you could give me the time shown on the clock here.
11:36
